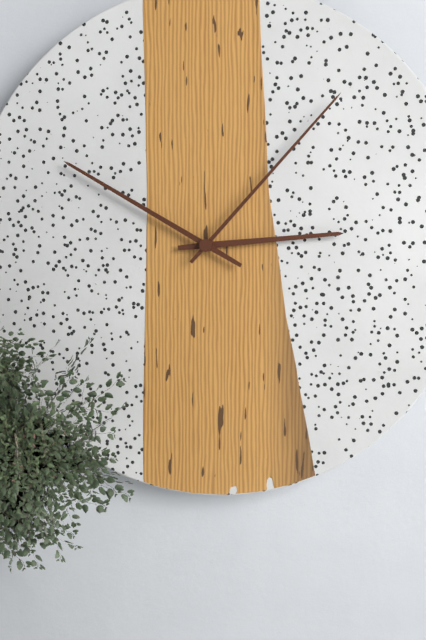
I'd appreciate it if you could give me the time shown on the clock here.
2:50:07
